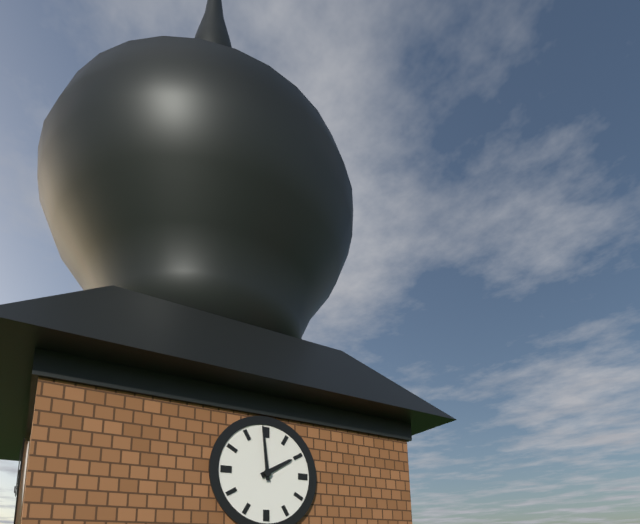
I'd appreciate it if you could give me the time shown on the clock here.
1:59
